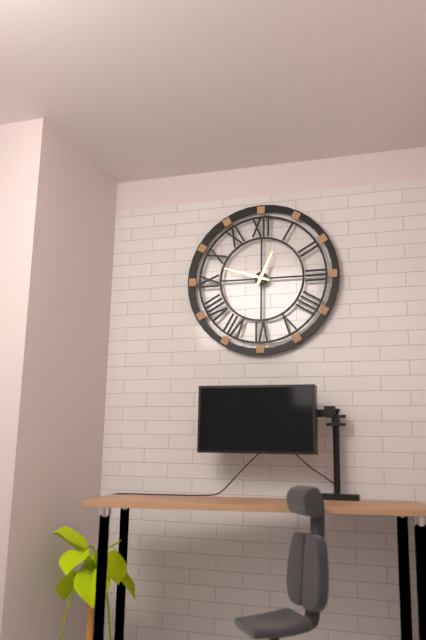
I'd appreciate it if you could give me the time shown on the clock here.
12:48
